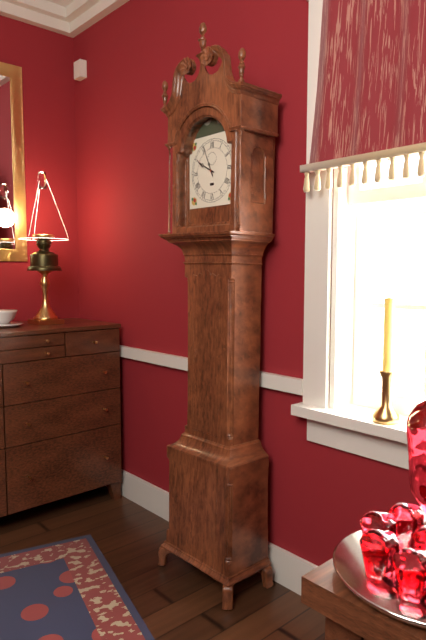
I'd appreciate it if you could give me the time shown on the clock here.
9:56
